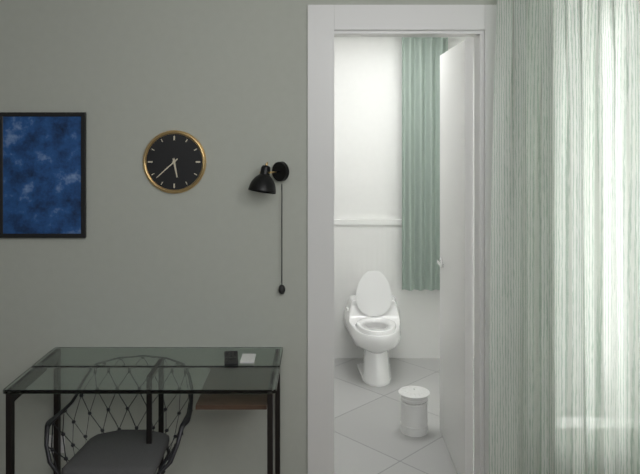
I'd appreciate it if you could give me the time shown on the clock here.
5:38
